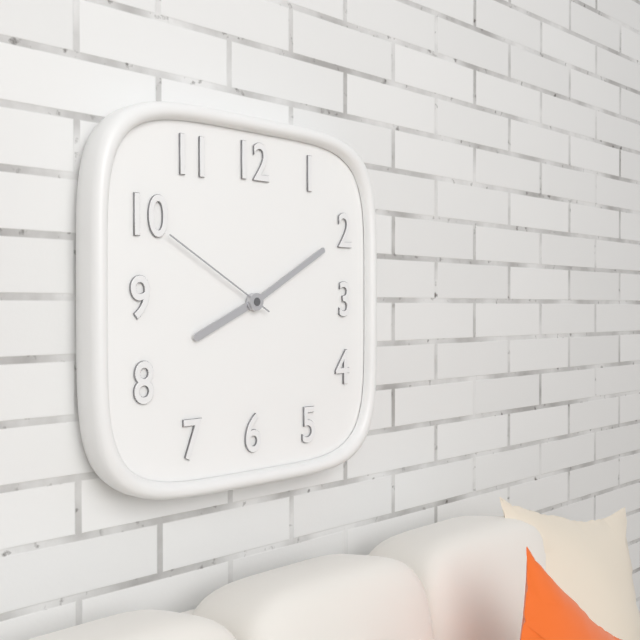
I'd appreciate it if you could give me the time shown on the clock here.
8:10:50
